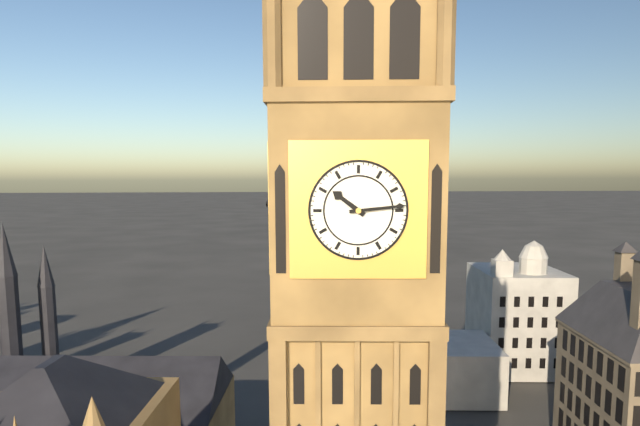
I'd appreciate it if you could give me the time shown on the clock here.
10:14
